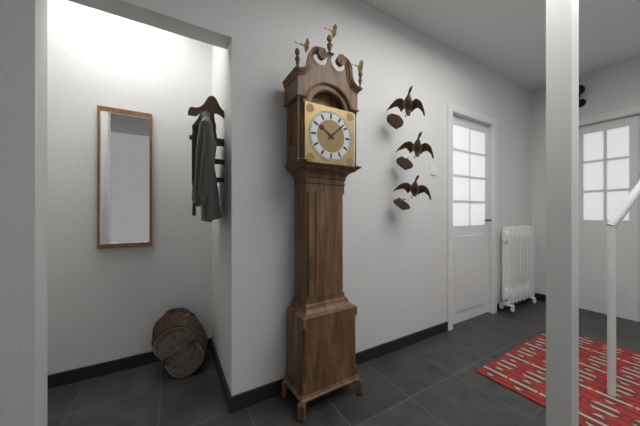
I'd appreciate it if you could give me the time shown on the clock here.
10:08
